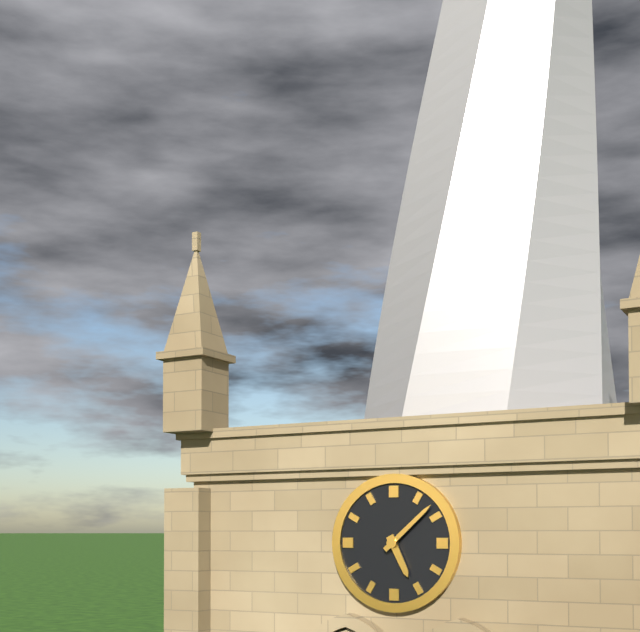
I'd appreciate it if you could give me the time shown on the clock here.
5:08
